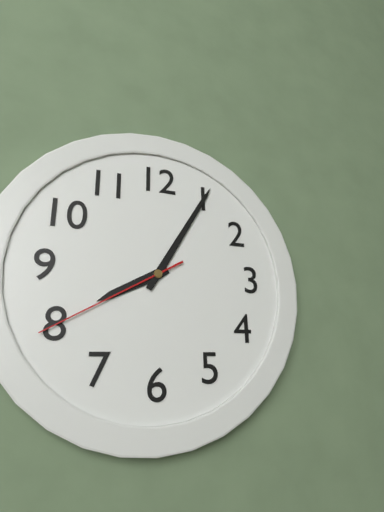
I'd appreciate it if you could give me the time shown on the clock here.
8:05:40
